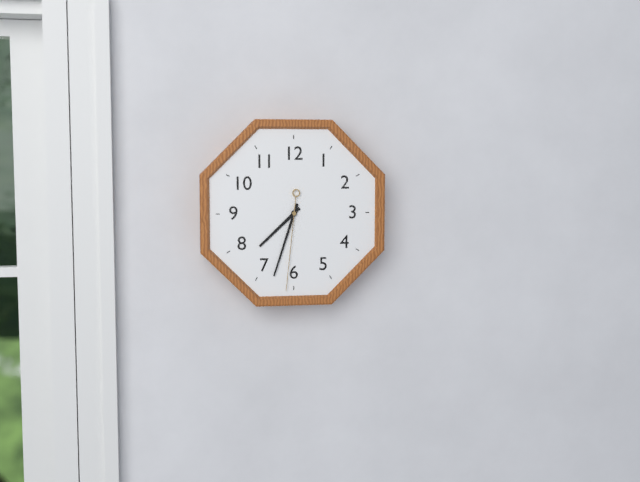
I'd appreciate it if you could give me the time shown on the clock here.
7:33:31
